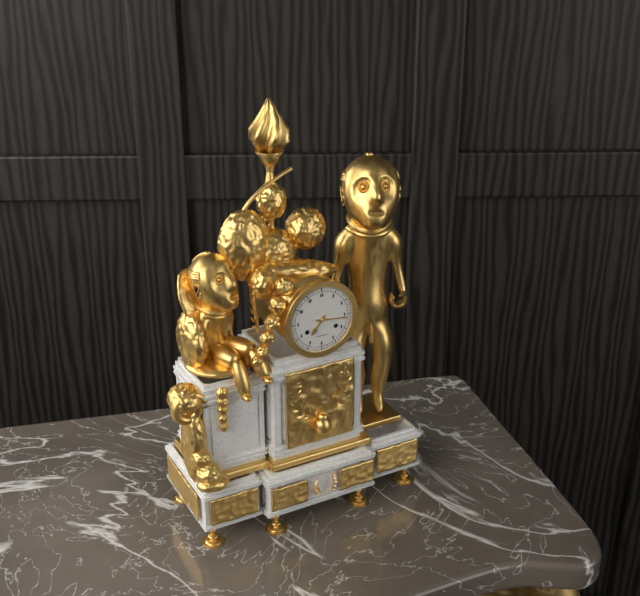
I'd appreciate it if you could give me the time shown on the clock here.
7:16
